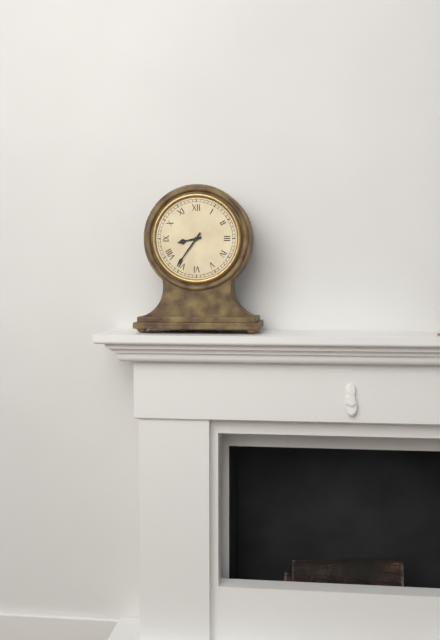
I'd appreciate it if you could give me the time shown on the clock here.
8:36
